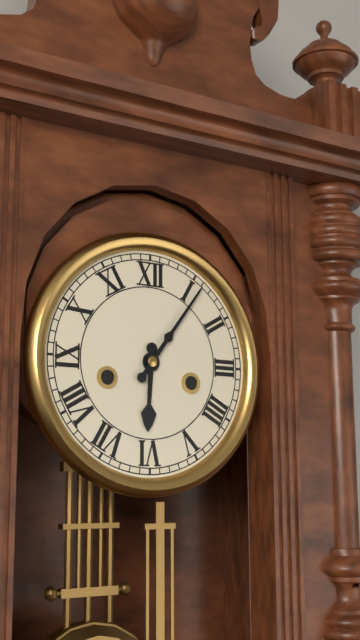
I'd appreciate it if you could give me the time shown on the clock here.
6:06
